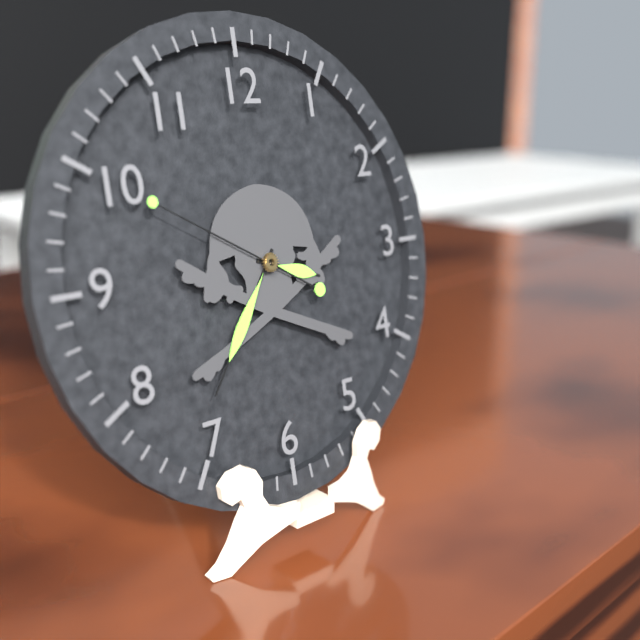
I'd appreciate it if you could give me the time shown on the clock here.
3:36:50
